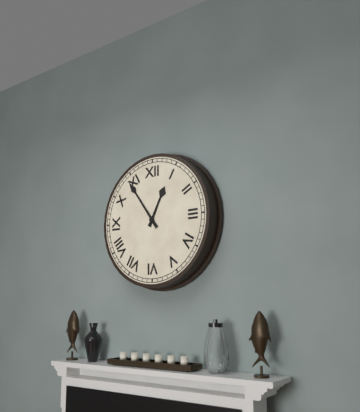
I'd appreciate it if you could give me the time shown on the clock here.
12:54
